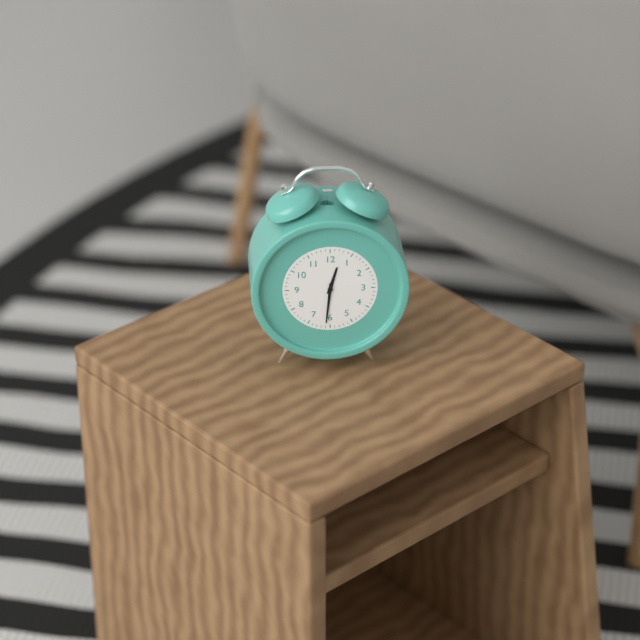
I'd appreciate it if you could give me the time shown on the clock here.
12:31
